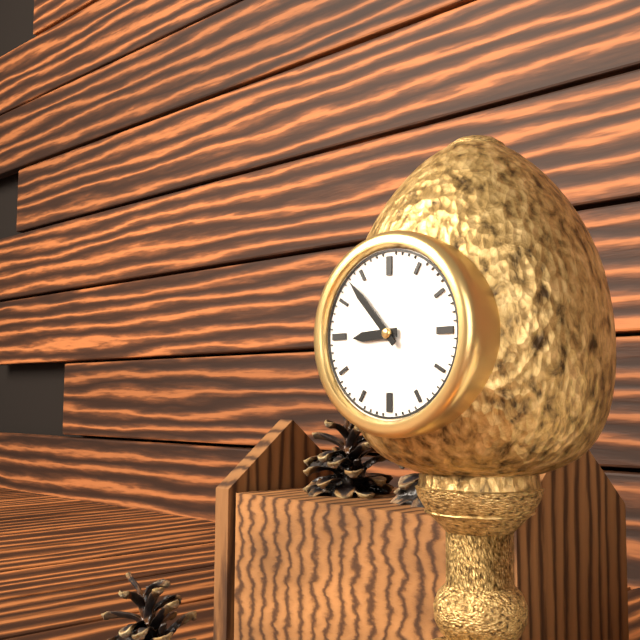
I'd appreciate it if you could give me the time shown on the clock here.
8:53
